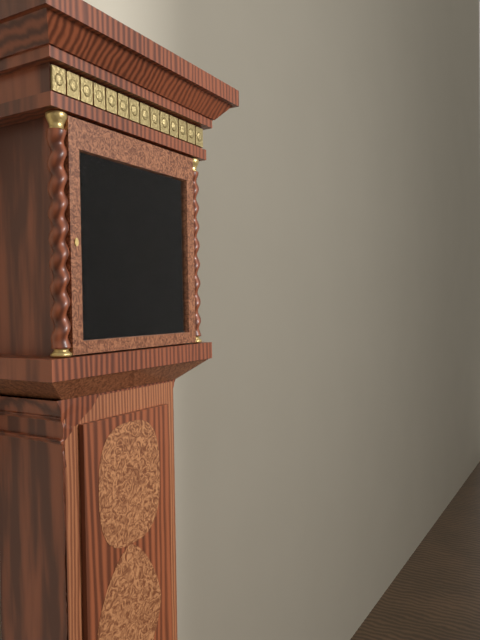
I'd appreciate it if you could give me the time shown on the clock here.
8:33
